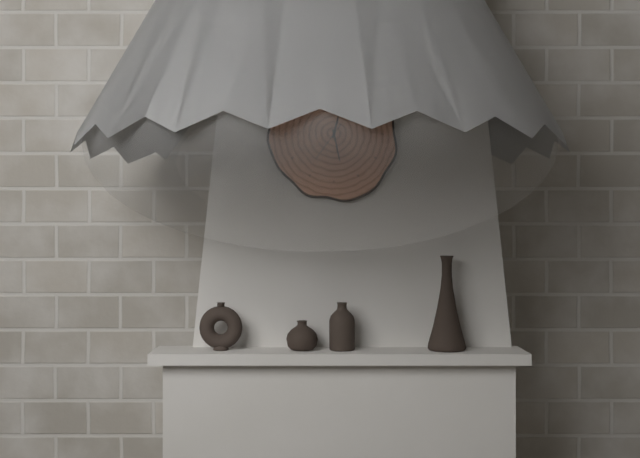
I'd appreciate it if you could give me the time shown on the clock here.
12:28
